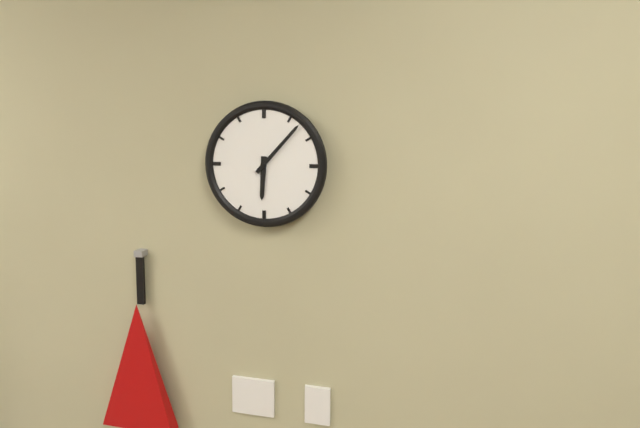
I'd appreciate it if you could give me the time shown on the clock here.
6:07
